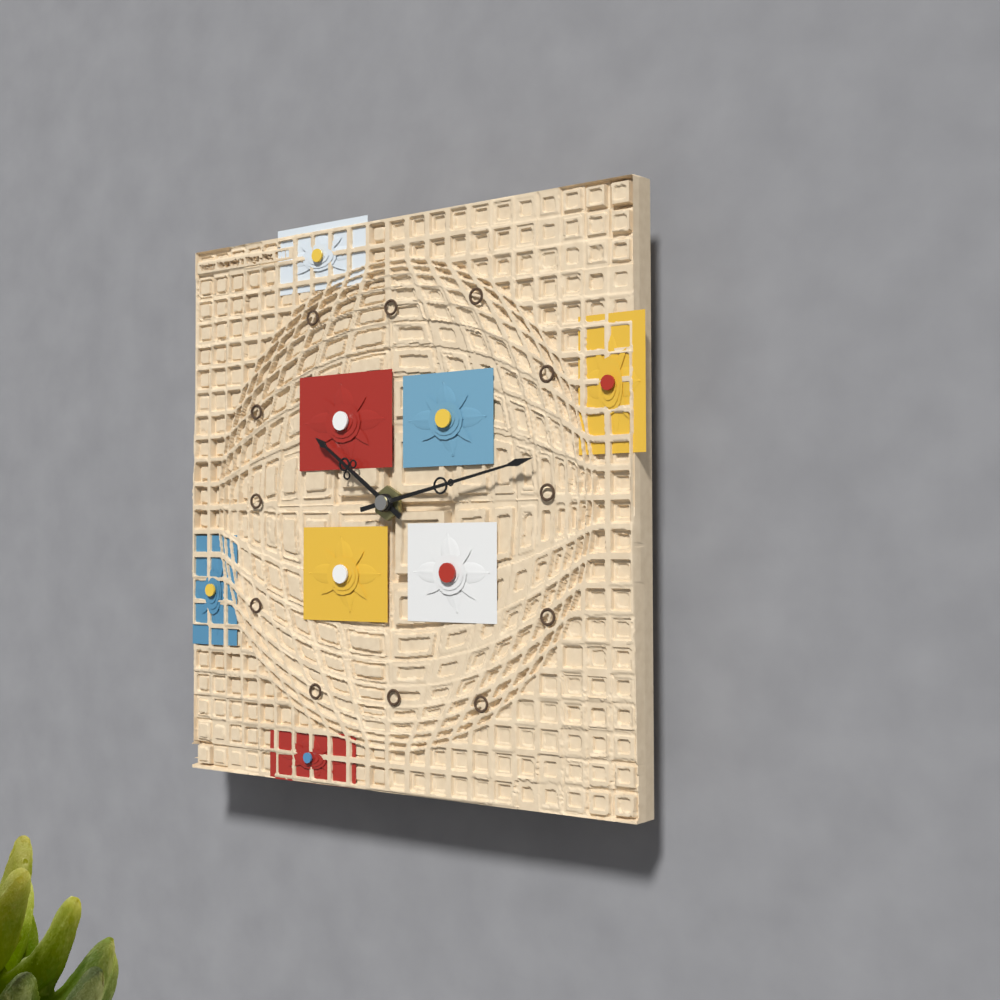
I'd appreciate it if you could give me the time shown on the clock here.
10:13
